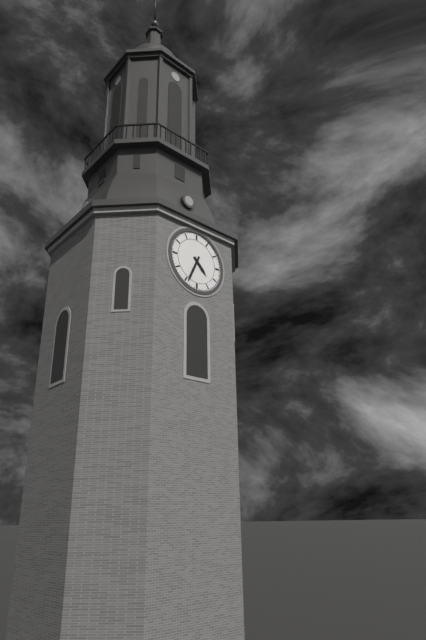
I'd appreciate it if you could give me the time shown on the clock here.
4:34
